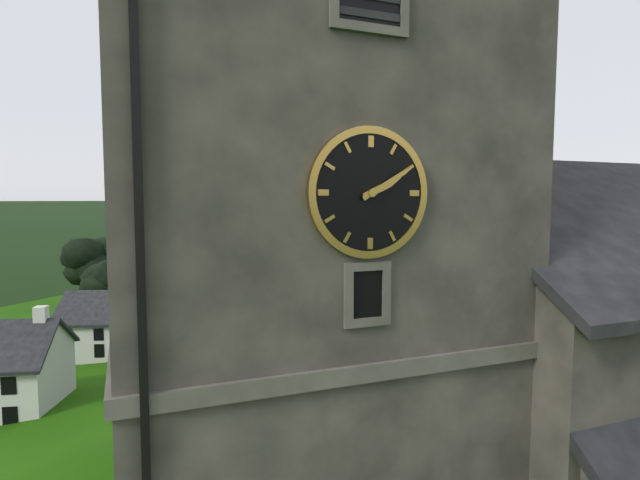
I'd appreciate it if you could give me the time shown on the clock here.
2:10
